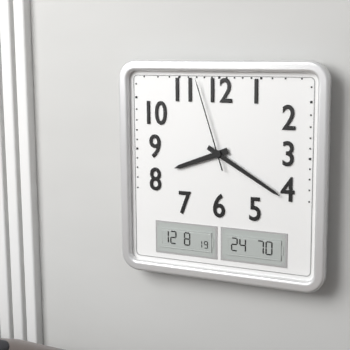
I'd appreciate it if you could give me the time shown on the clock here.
8:20:57
